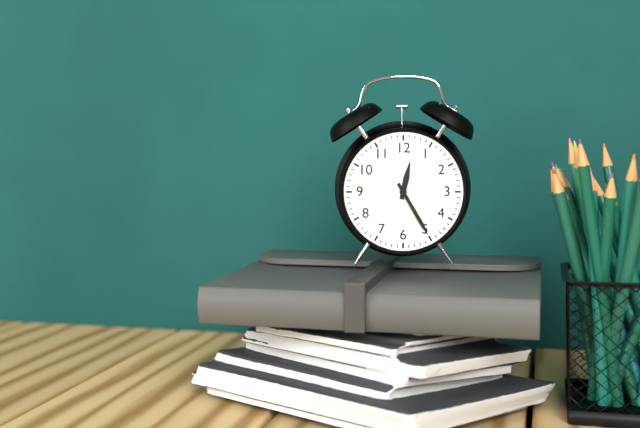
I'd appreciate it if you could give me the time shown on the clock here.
12:25
